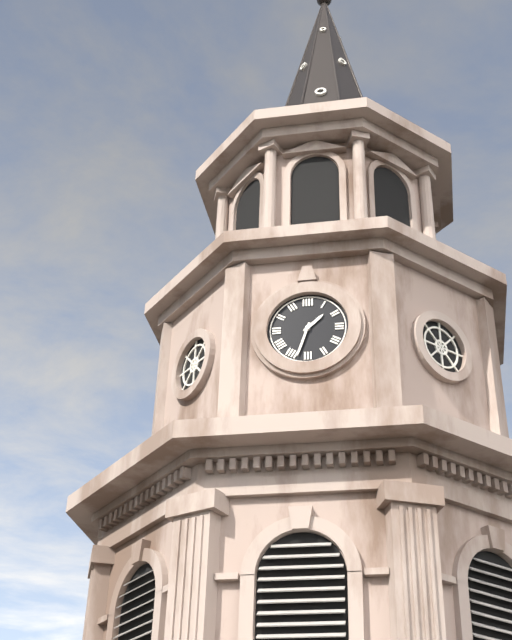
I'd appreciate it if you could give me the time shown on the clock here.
1:33
